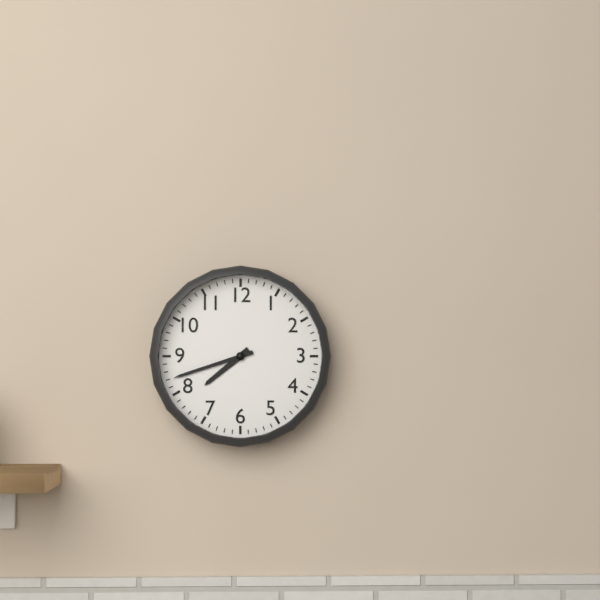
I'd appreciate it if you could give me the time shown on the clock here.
7:42
